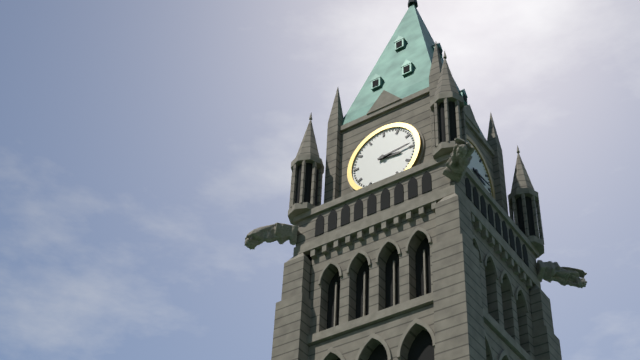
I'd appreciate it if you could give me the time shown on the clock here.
3:14
